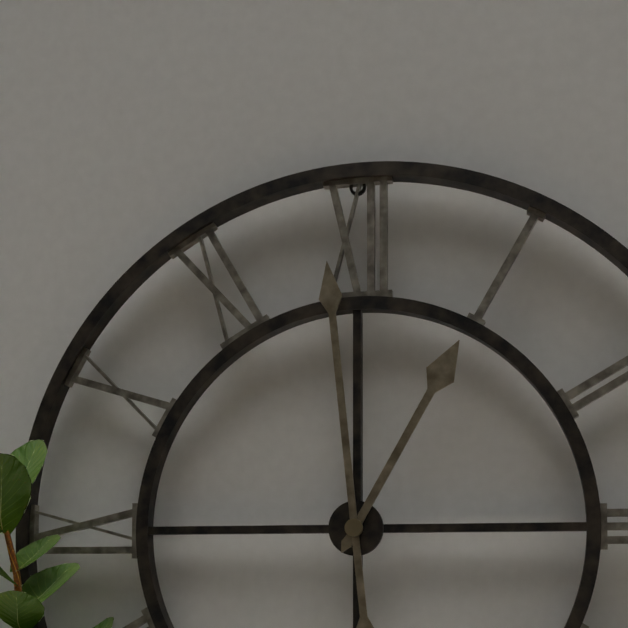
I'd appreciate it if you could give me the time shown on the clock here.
12:59
